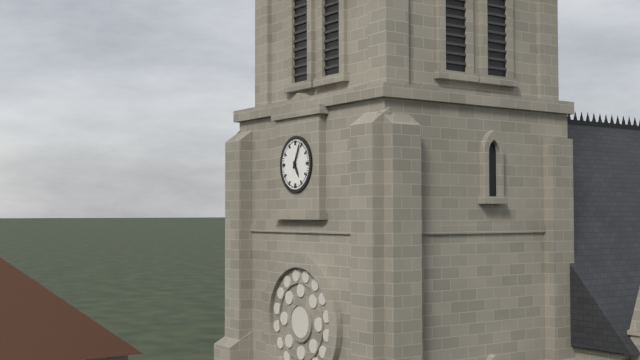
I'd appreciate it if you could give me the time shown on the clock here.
5:04
